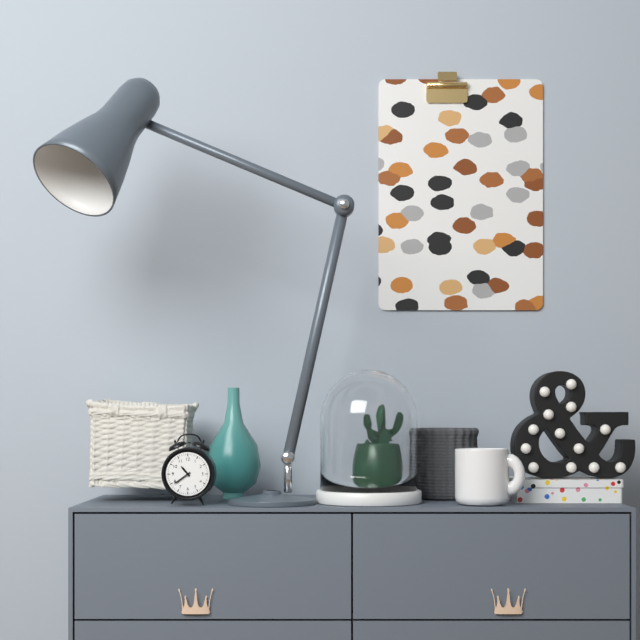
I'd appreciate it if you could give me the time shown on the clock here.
10:39
